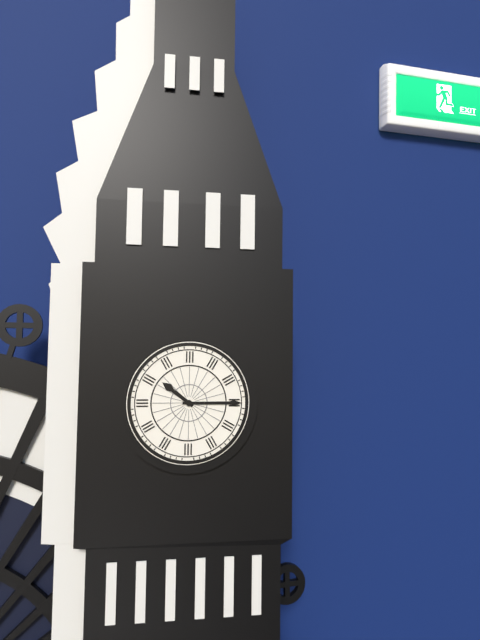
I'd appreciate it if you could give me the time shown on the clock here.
10:15
